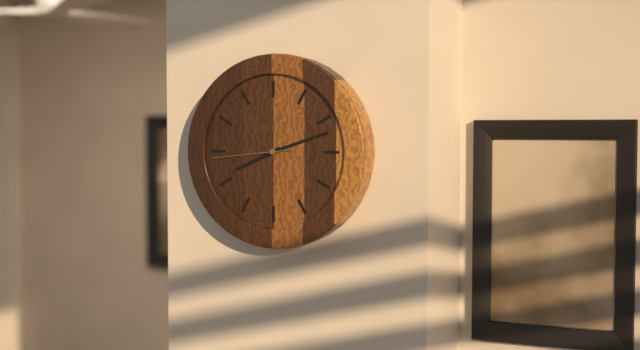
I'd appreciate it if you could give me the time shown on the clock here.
8:12:44
